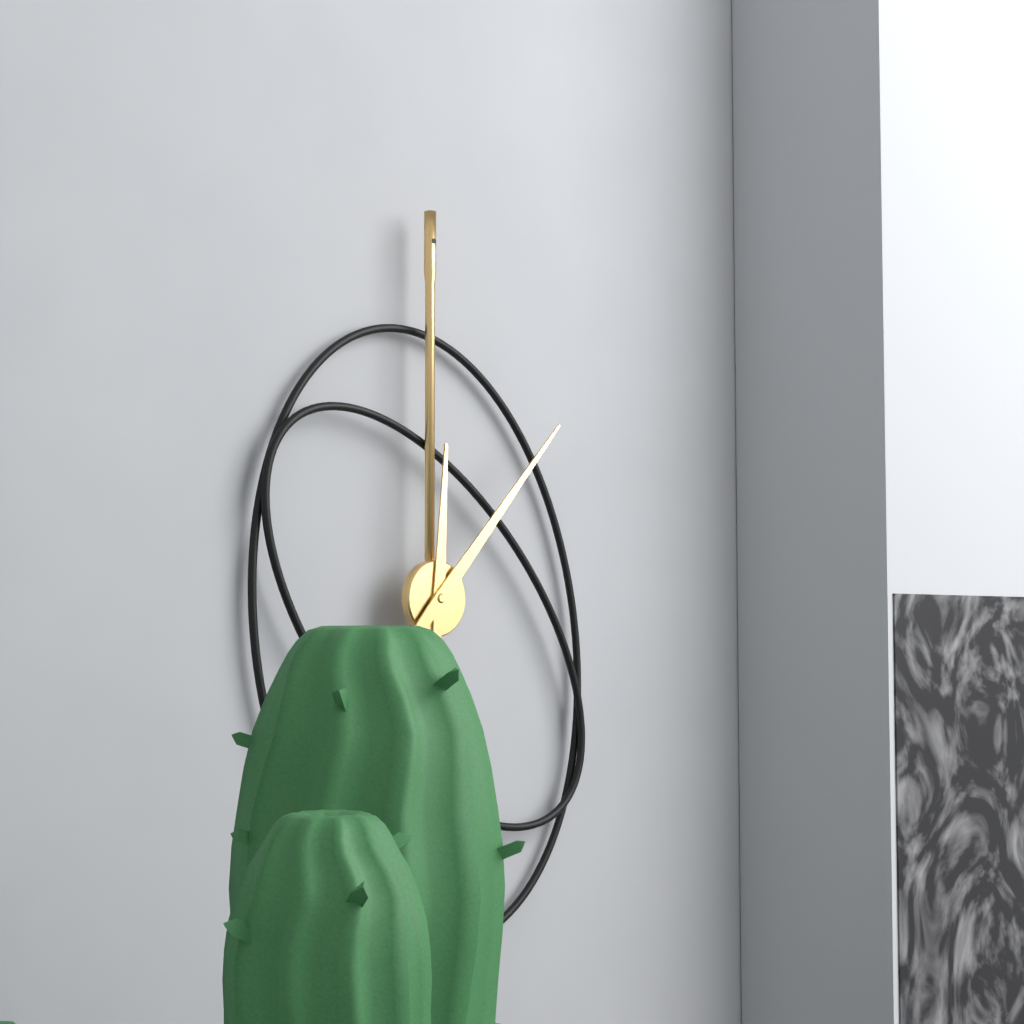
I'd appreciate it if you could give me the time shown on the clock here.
12:07
